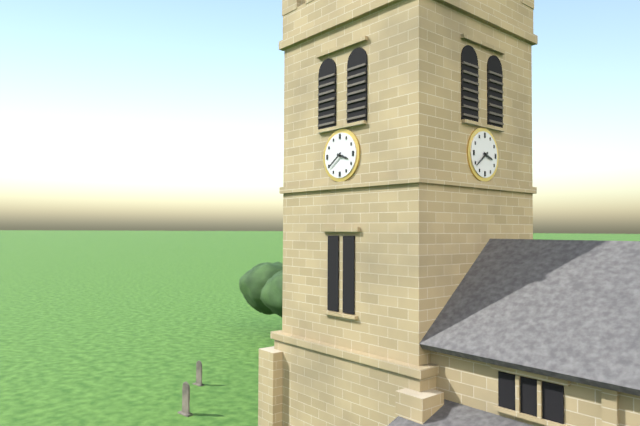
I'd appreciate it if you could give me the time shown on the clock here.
3:39
